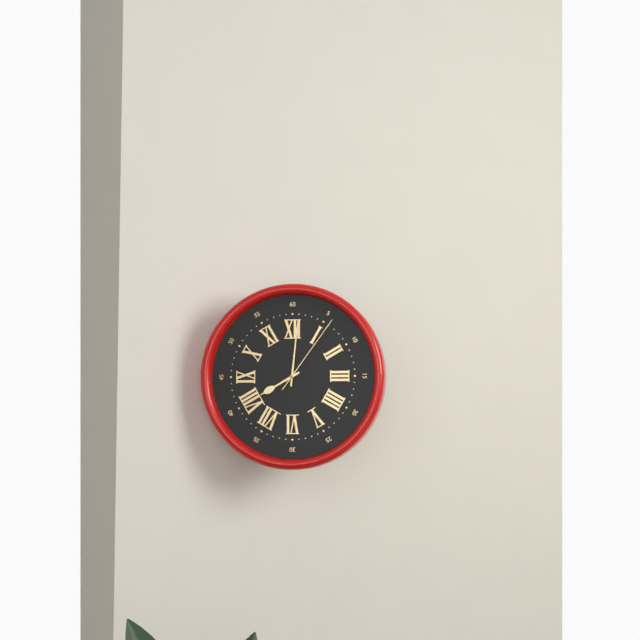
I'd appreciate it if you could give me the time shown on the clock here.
8:01:06
